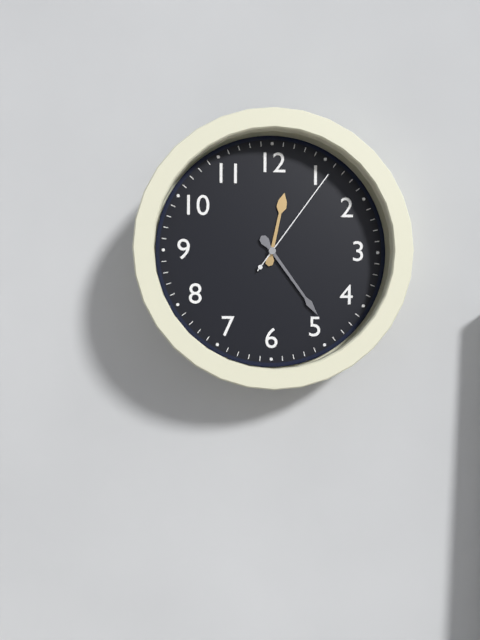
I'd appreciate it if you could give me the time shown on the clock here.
12:24:06
